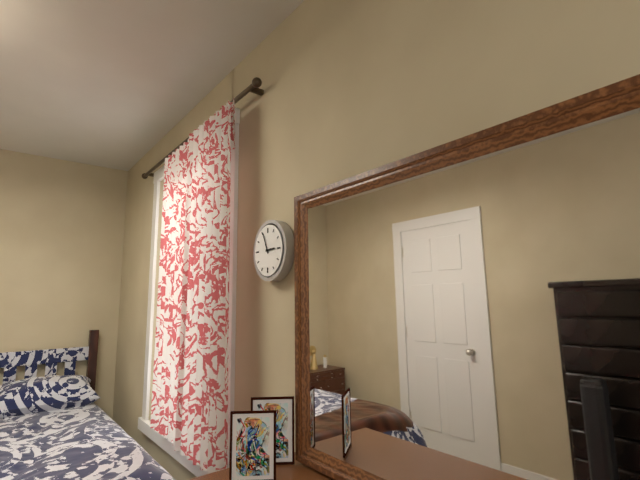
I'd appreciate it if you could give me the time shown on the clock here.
2:56
